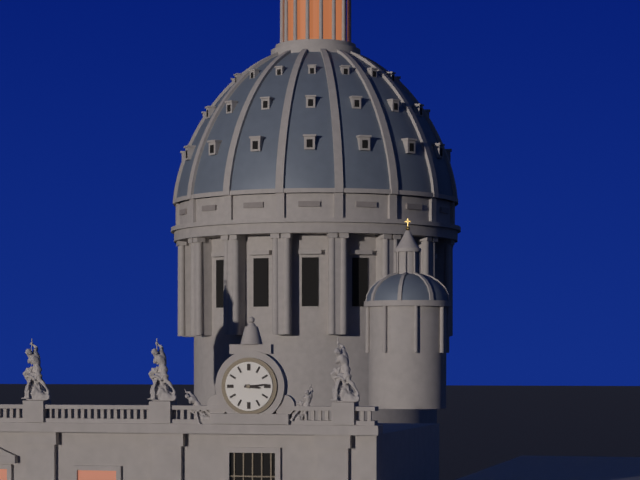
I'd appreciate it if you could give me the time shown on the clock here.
3:14
